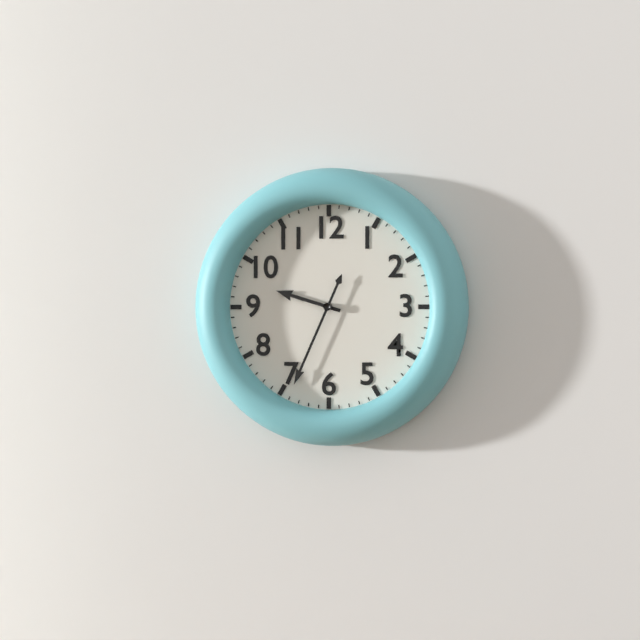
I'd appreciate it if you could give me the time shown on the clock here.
9:34
